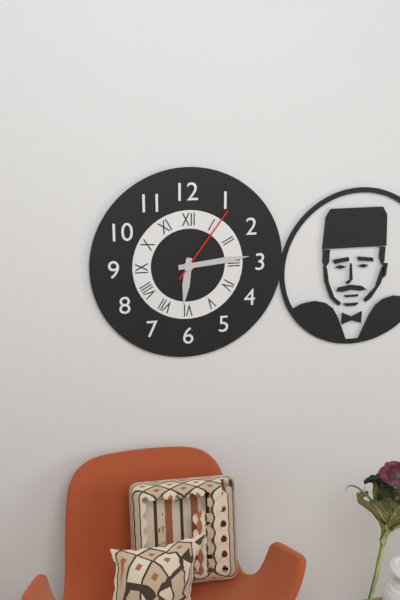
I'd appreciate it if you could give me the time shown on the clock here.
6:14:06
